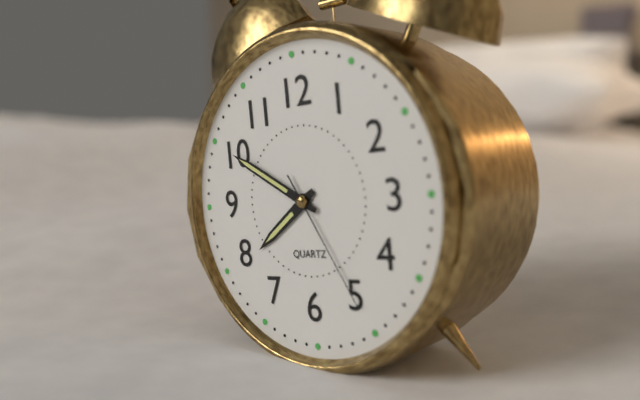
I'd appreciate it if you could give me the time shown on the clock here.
7:50:25
